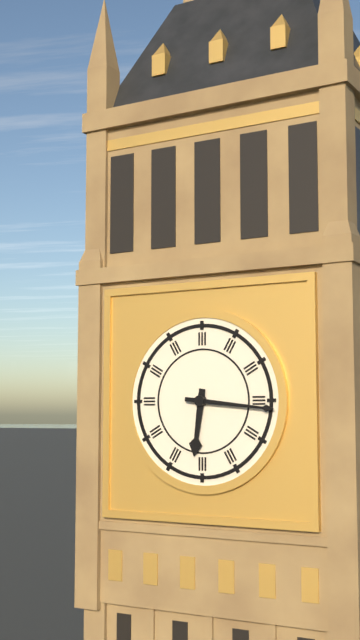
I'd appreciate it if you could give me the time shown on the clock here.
6:16
